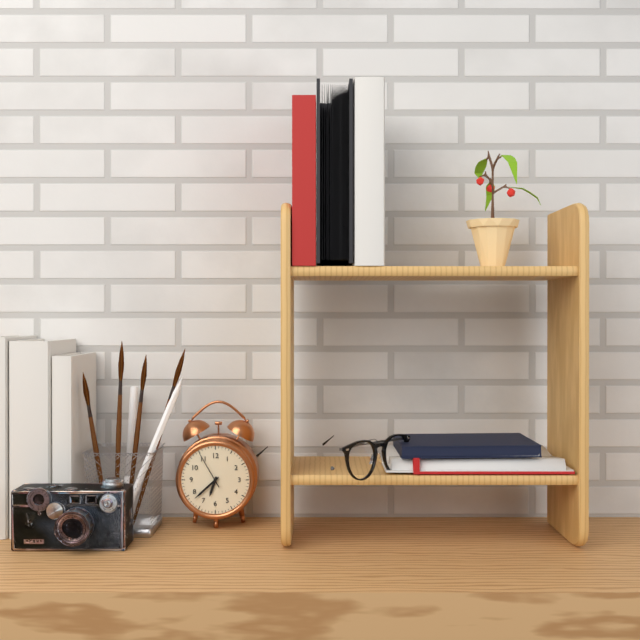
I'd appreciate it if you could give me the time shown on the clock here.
6:38
